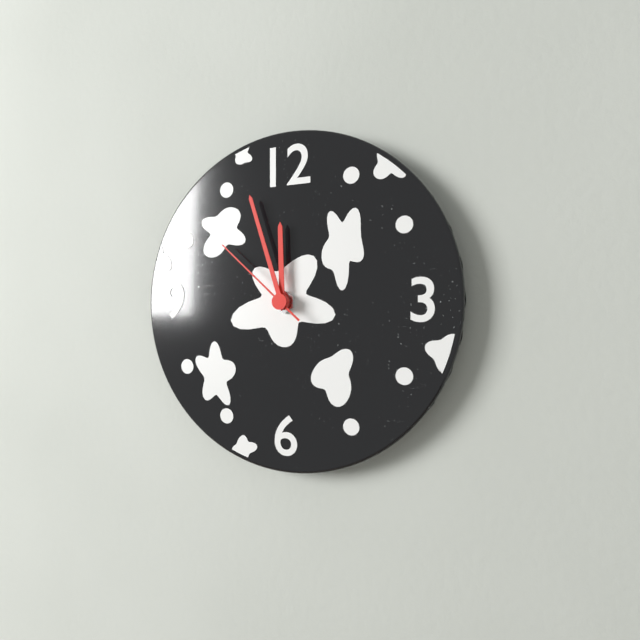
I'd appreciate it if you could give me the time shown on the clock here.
11:57:52
